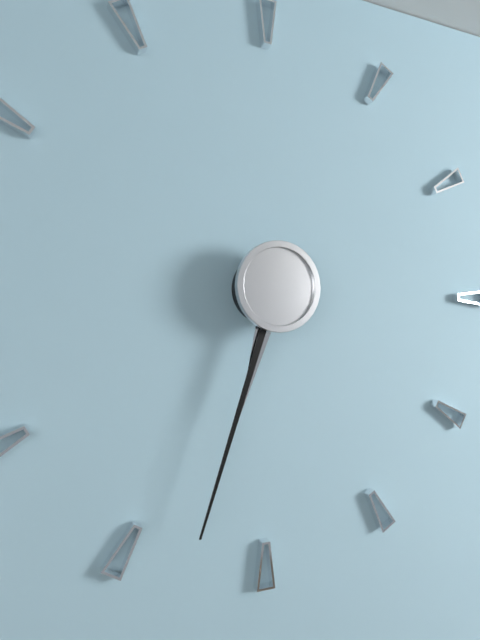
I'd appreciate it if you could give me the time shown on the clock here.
6:33
